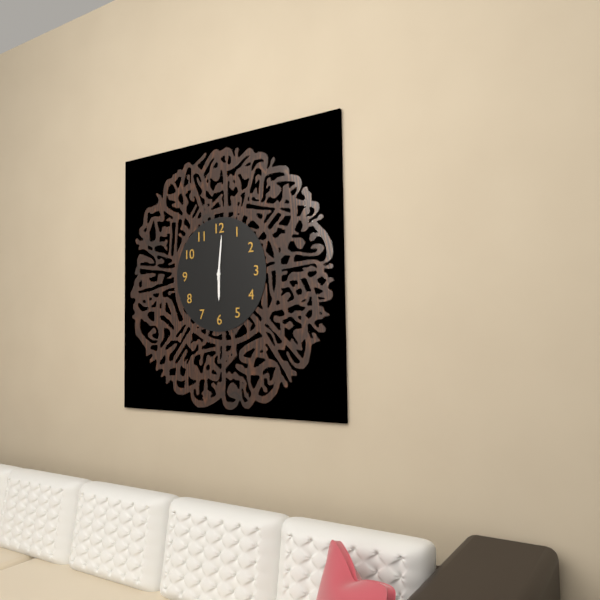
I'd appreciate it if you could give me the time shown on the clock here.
6:01
